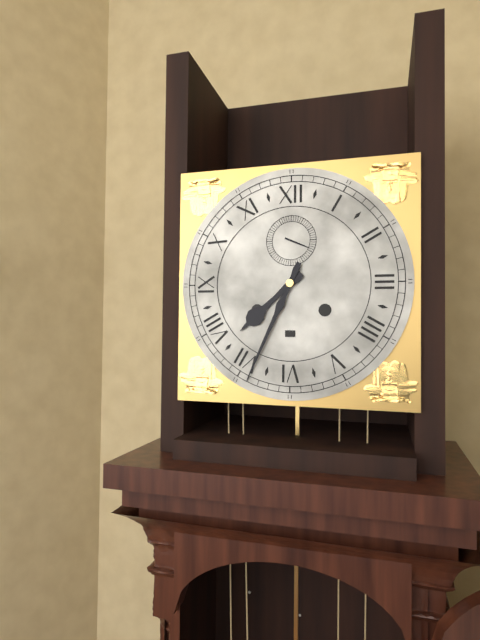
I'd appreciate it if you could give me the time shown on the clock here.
7:34
